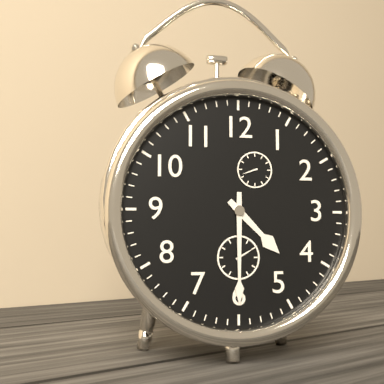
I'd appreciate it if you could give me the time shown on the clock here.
4:30
